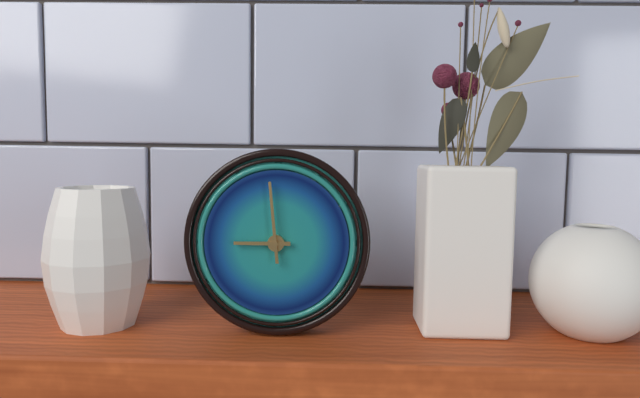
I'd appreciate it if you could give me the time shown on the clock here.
8:59
